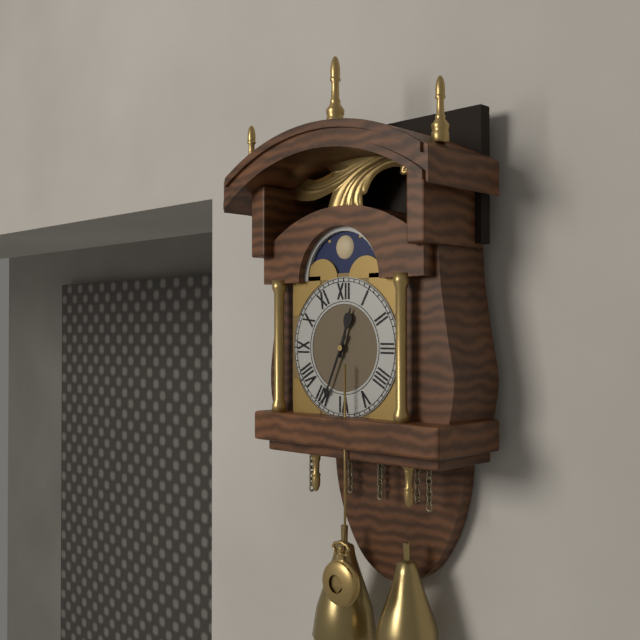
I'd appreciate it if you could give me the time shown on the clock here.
12:34
